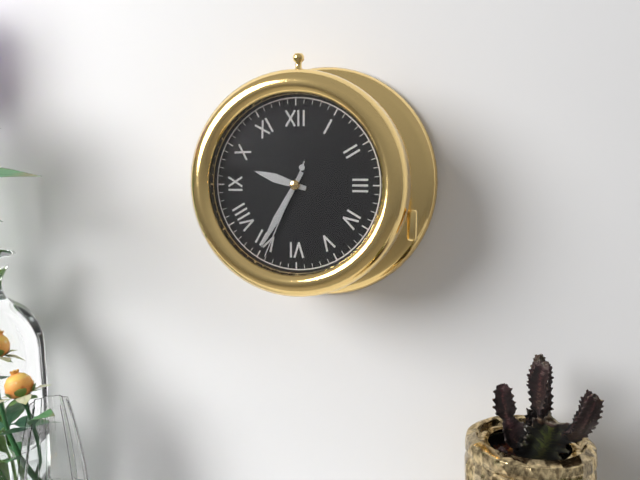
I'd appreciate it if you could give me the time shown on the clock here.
9:35:34
